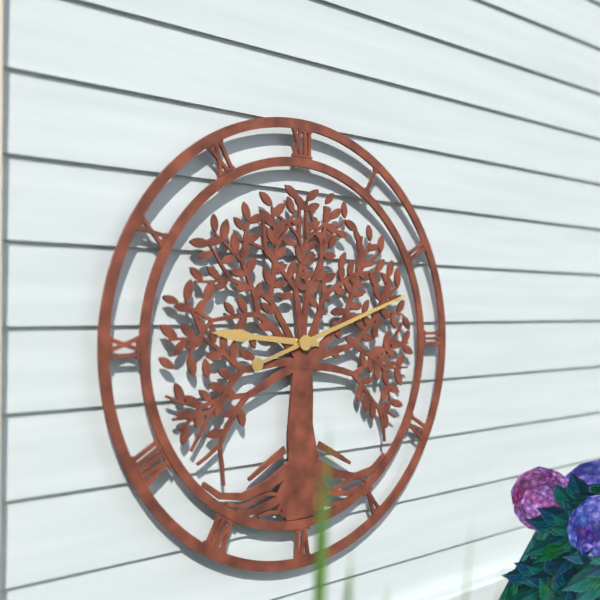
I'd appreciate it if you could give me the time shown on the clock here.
9:12
